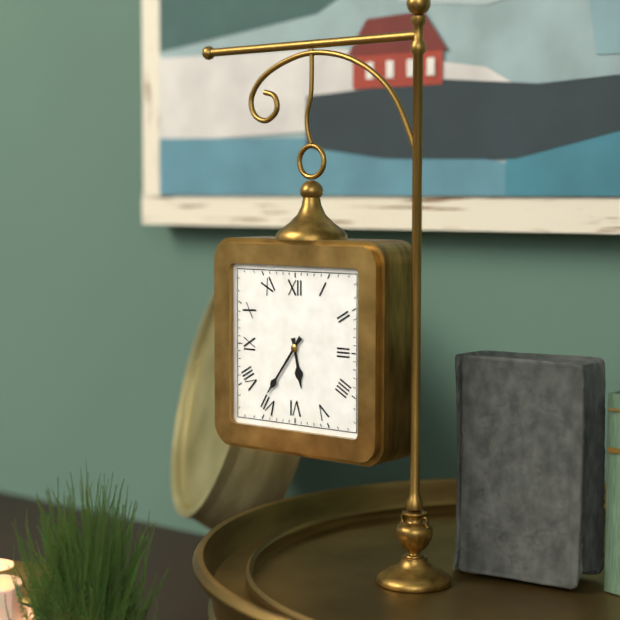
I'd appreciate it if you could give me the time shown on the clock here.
5:36
